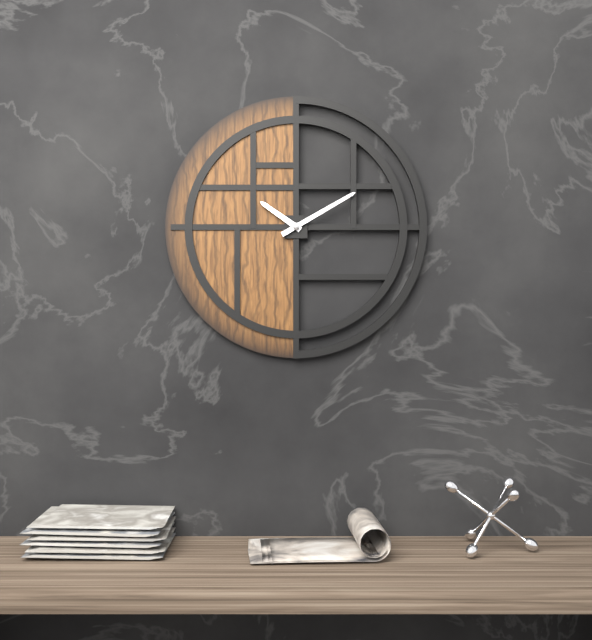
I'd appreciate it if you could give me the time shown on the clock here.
10:10
